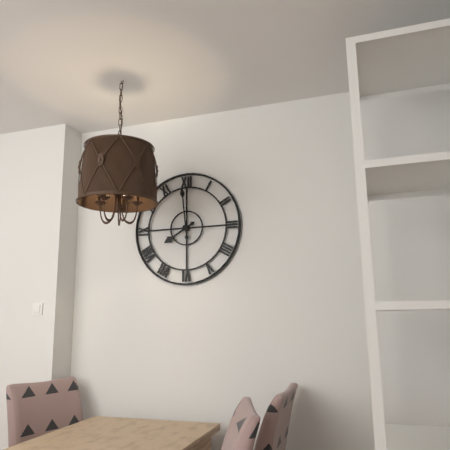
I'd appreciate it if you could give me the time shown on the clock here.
7:59
